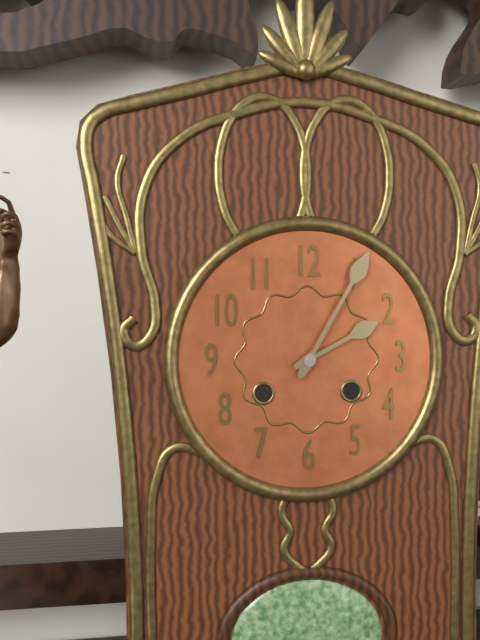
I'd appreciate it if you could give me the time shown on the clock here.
2:05
